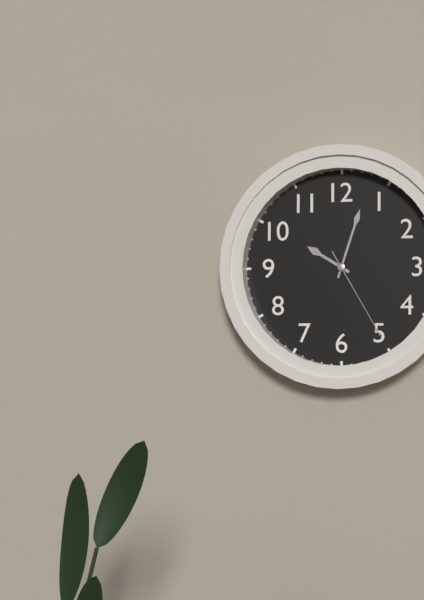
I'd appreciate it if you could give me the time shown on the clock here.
10:03:25
